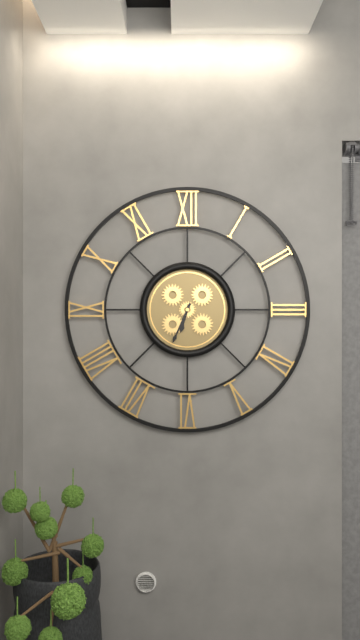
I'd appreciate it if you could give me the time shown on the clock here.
6:34
